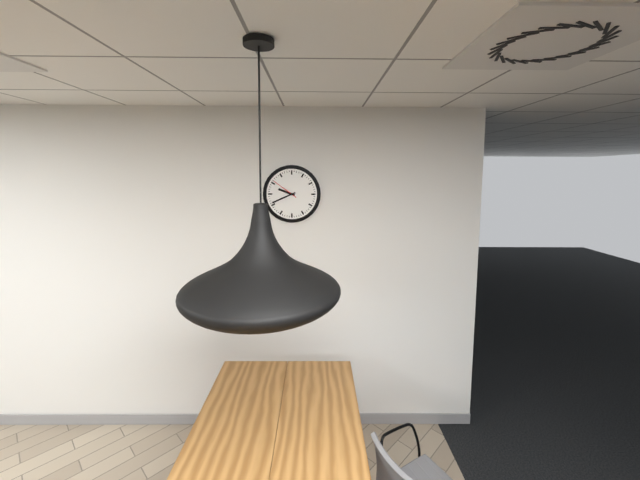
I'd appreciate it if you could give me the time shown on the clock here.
9:41
